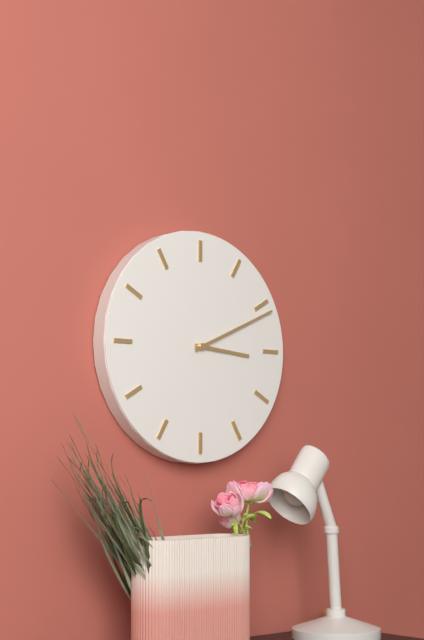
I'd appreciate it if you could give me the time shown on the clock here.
3:11
